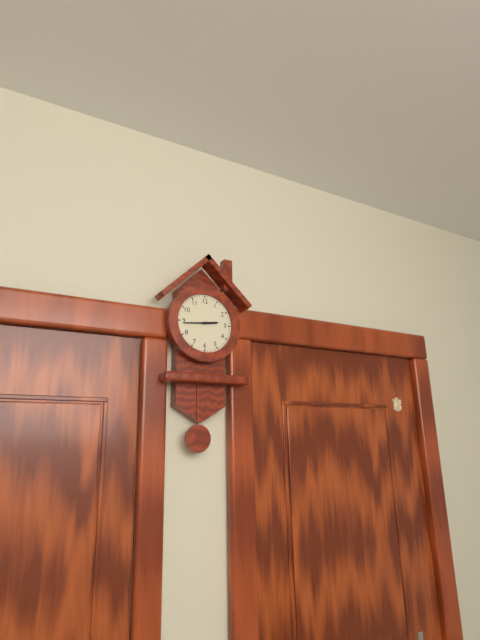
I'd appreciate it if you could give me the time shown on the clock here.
2:44
